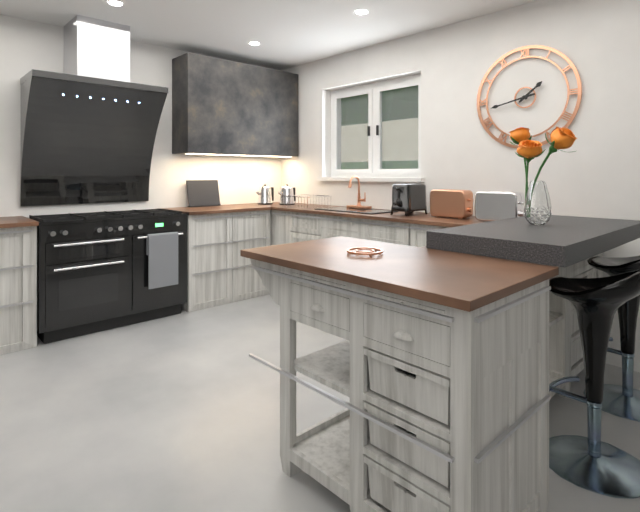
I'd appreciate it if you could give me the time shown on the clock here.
1:43
